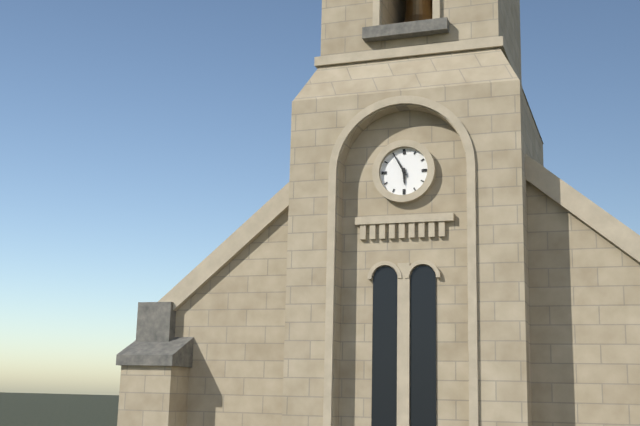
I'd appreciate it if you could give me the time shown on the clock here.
5:55
